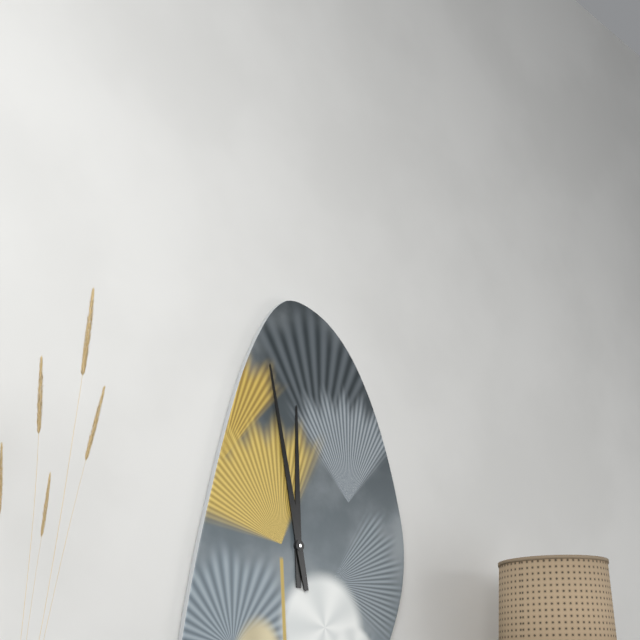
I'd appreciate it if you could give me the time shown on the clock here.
11:58
